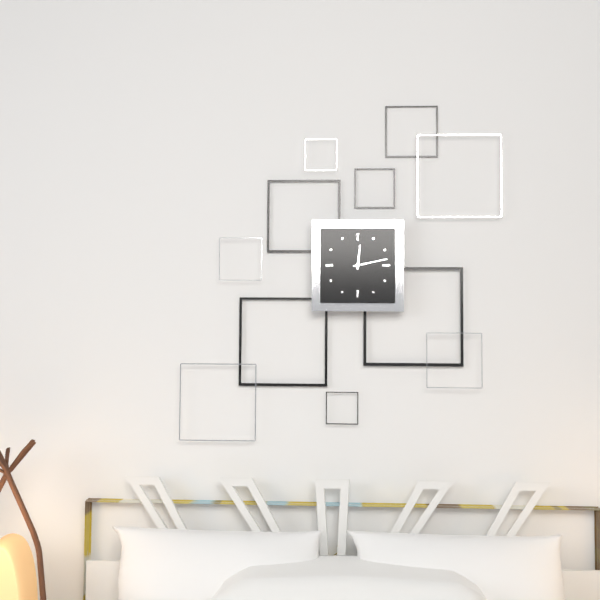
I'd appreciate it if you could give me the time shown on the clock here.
12:13
